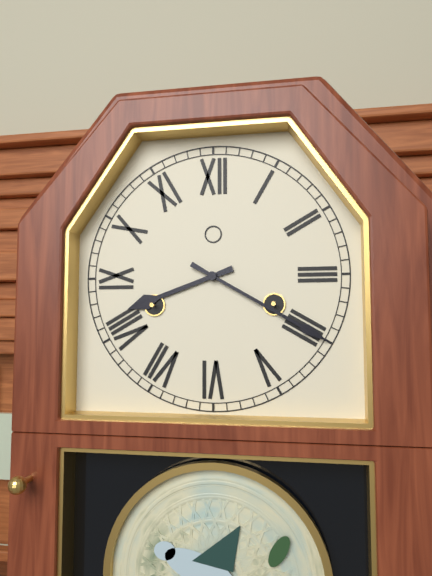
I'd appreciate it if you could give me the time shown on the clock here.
8:20
